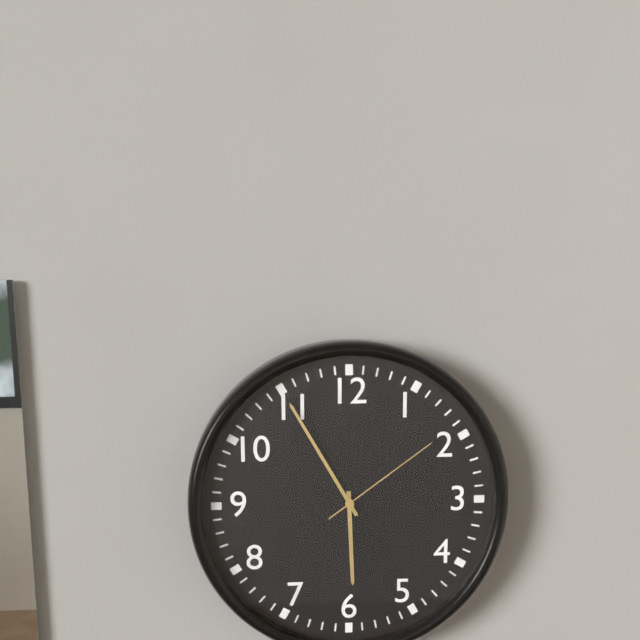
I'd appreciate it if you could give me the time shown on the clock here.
5:55:09
